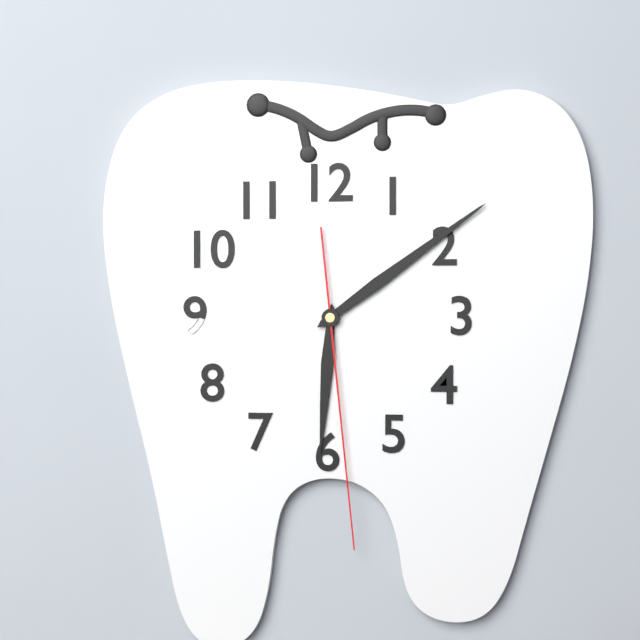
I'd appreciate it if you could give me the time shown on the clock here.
6:09:29
